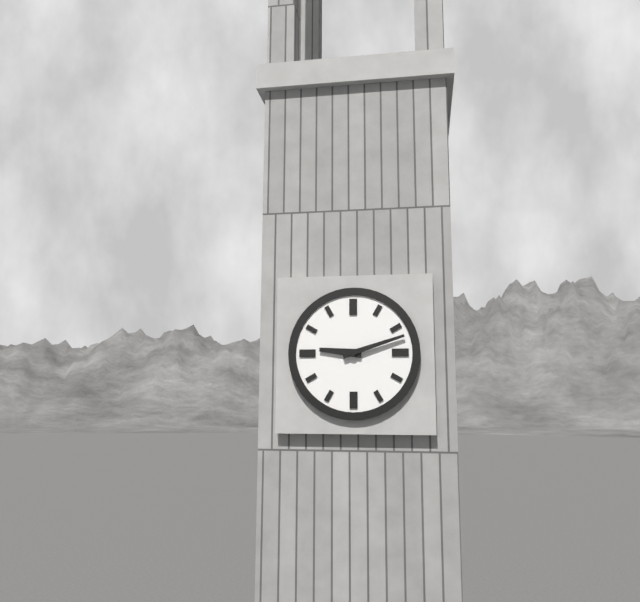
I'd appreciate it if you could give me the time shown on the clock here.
9:12
